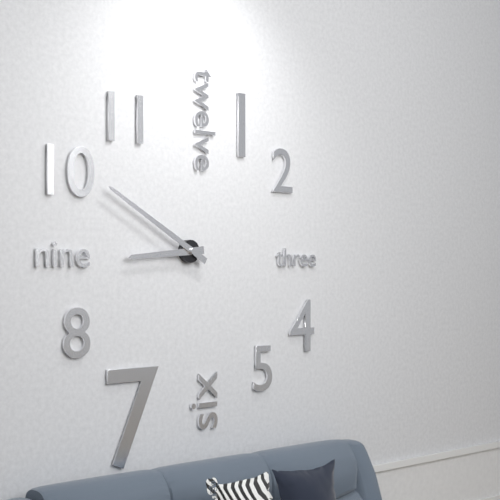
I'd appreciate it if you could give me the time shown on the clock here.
8:50
